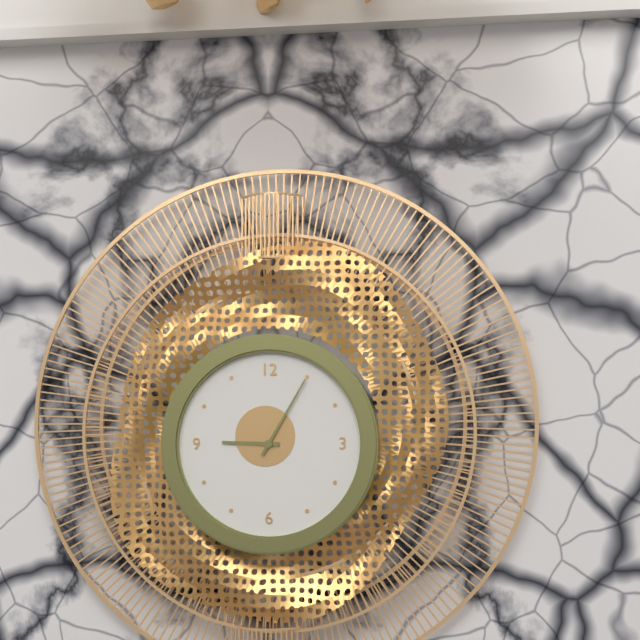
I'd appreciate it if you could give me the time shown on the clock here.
9:05
